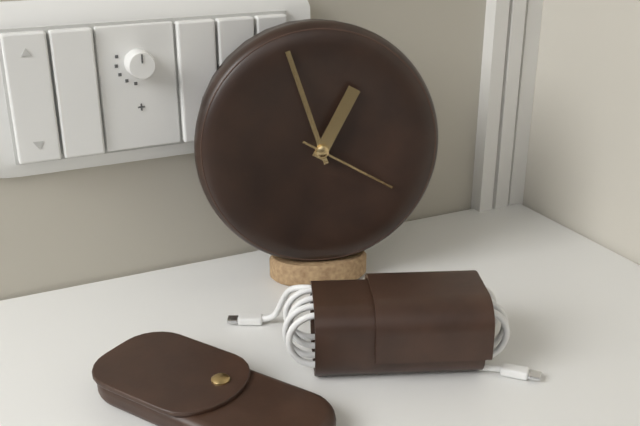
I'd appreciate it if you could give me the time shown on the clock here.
12:57:20
